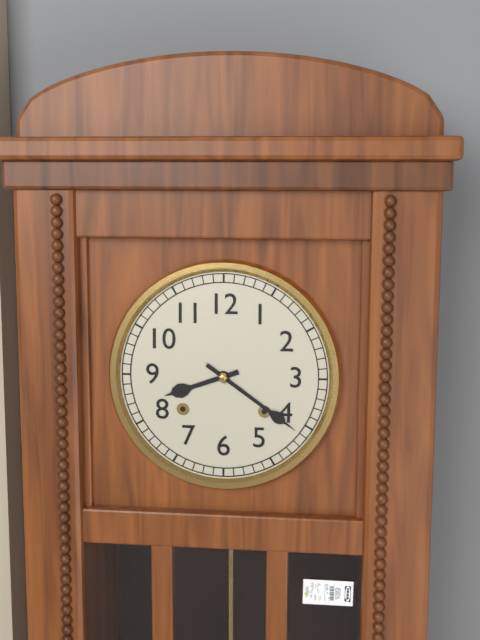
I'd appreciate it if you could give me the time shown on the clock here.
8:21
